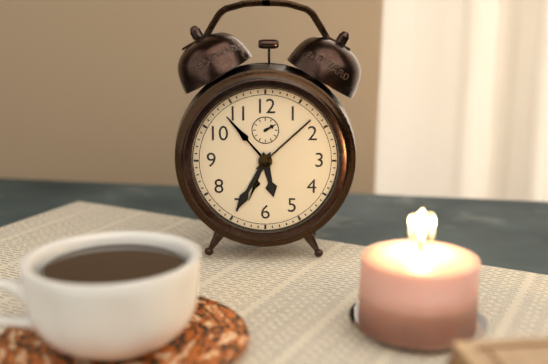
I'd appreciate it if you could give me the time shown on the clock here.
5:35
